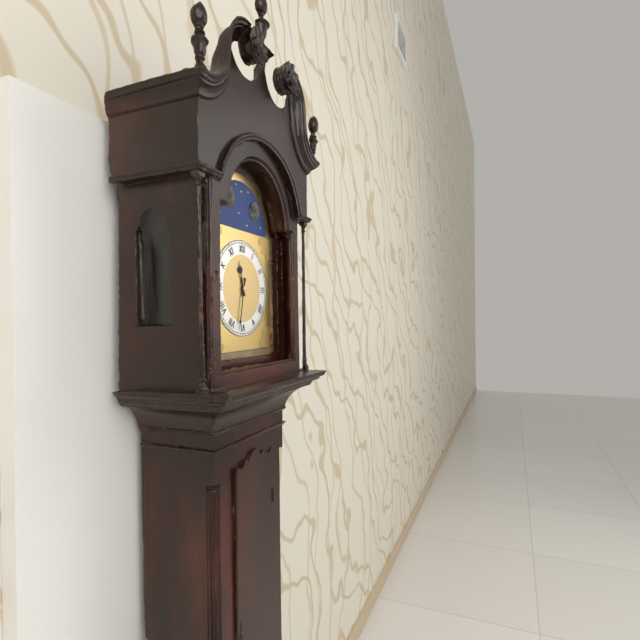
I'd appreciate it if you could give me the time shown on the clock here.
11:32
